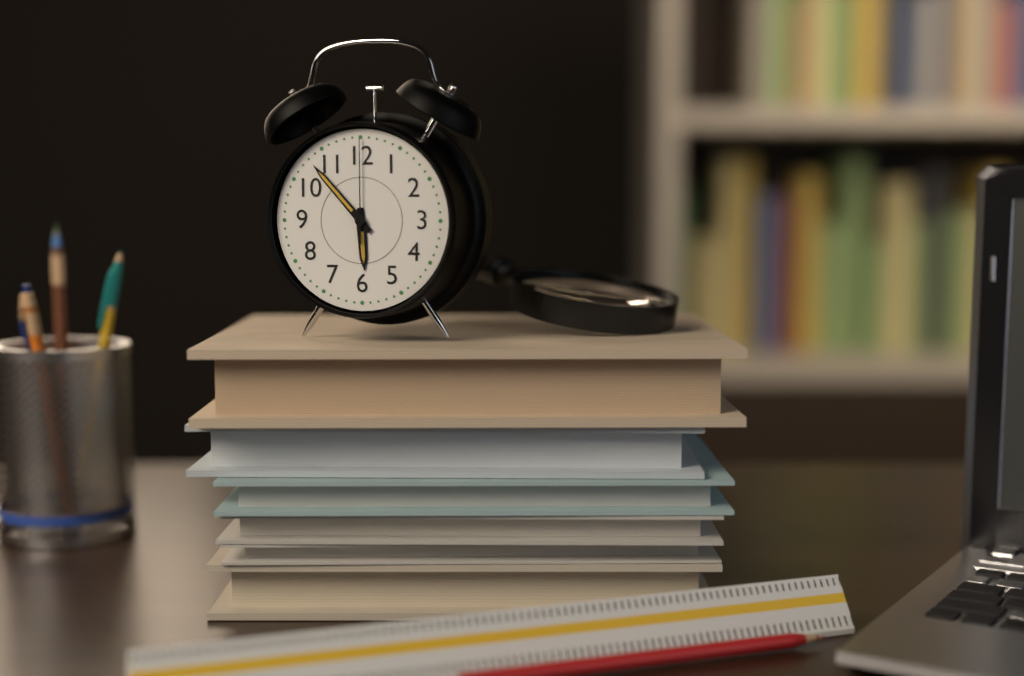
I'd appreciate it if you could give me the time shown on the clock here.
5:53:00
